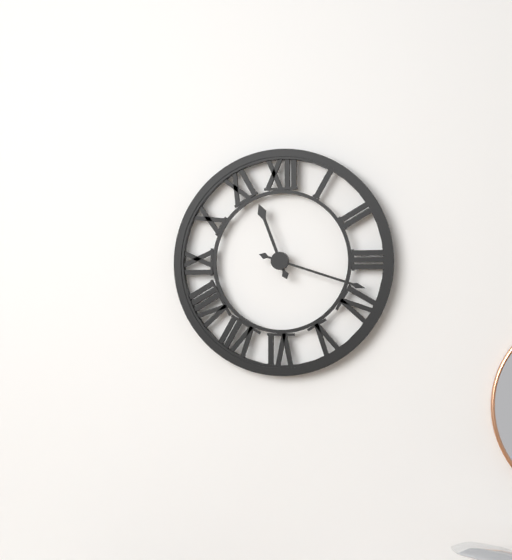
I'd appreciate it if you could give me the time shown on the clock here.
11:18
